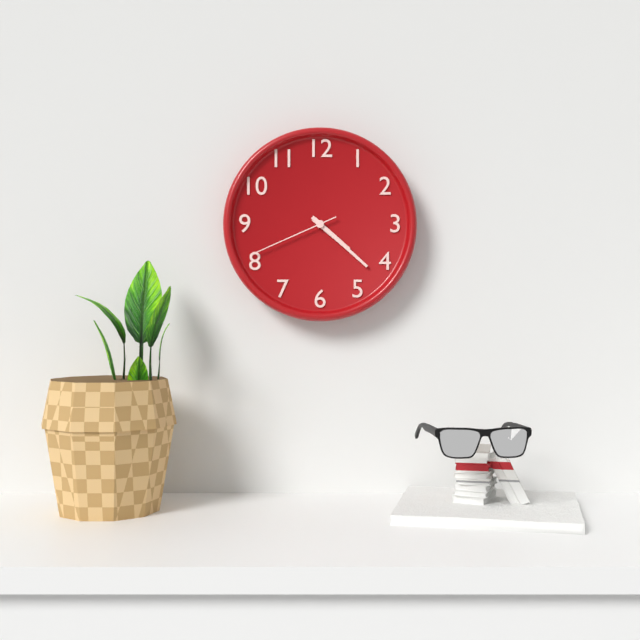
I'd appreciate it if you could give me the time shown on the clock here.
4:22:41
